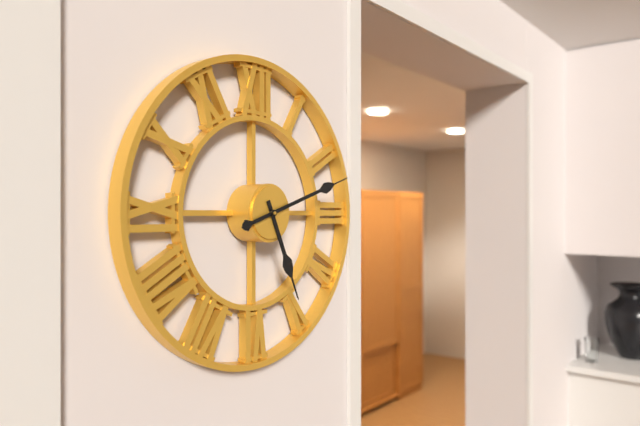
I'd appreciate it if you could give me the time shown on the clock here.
5:12
